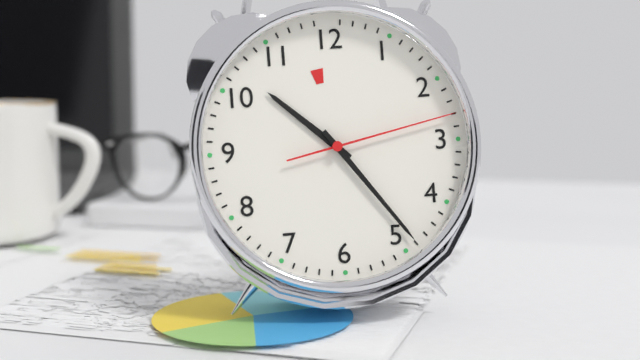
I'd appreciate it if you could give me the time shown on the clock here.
10:24:13
